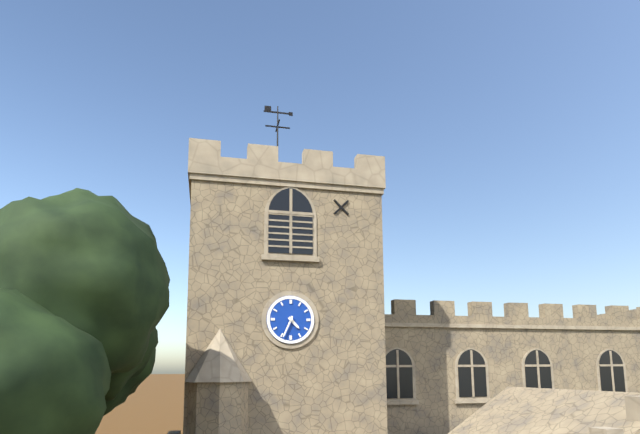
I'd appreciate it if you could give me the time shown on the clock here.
4:34
